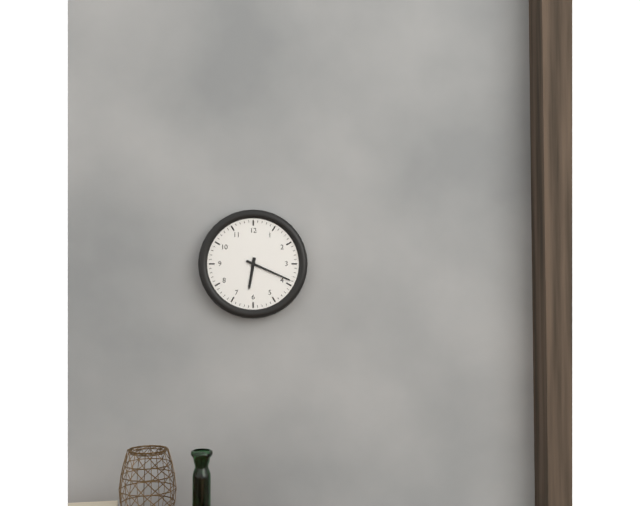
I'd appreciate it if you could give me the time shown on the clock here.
6:19
